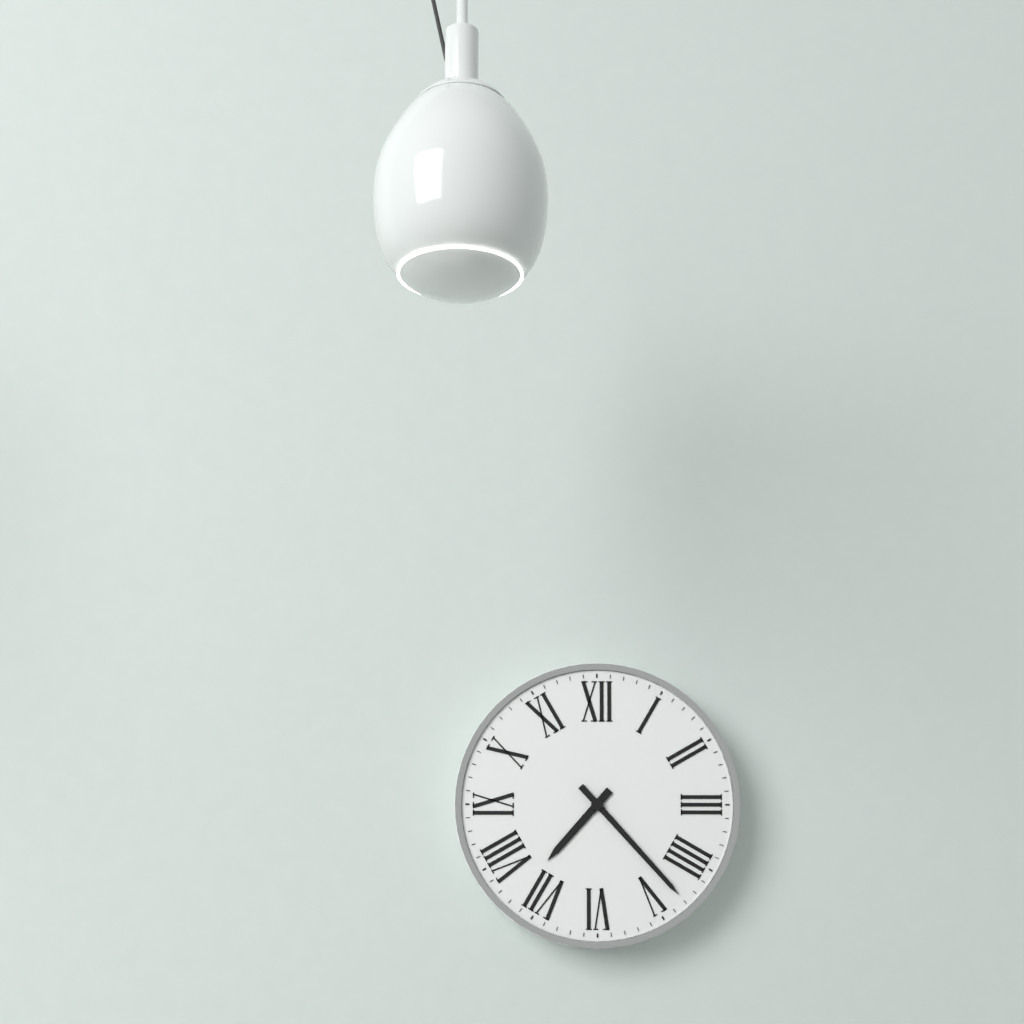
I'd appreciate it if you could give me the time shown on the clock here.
7:23
